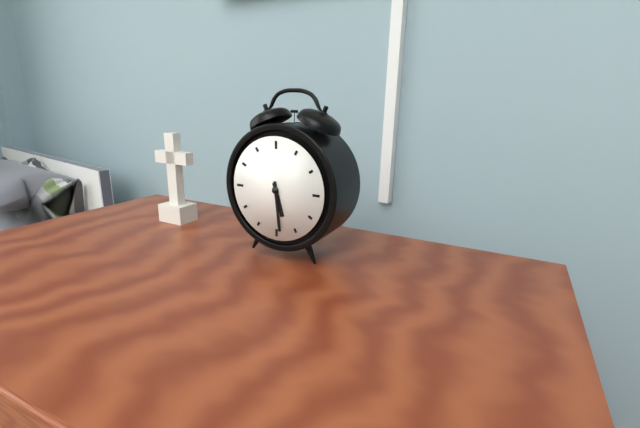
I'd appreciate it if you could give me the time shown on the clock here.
5:29
